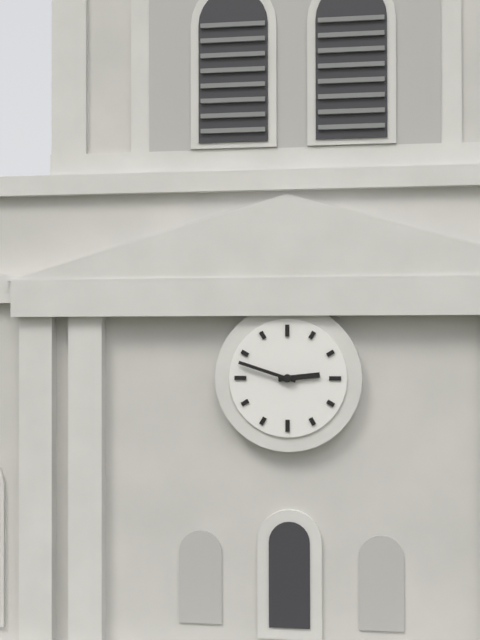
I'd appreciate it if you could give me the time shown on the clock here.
2:48
